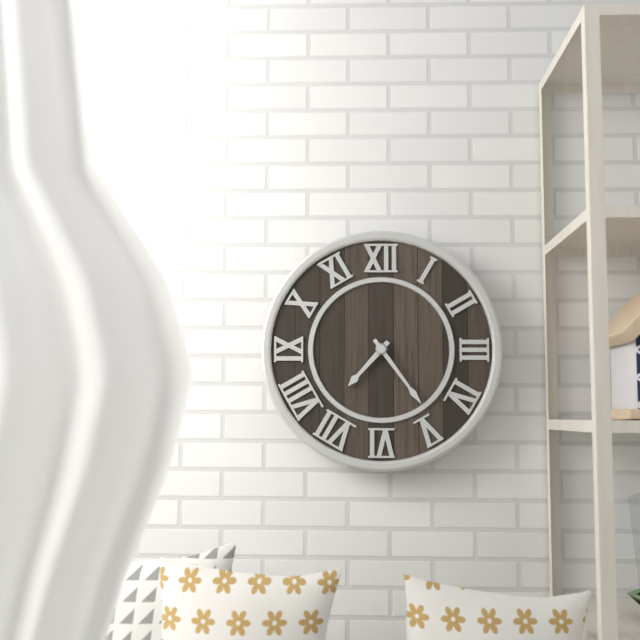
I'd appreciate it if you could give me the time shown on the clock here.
7:24
